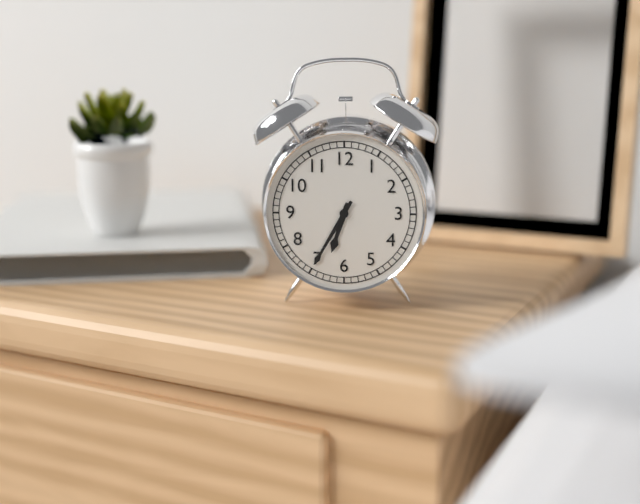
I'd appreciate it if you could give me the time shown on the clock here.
6:35
